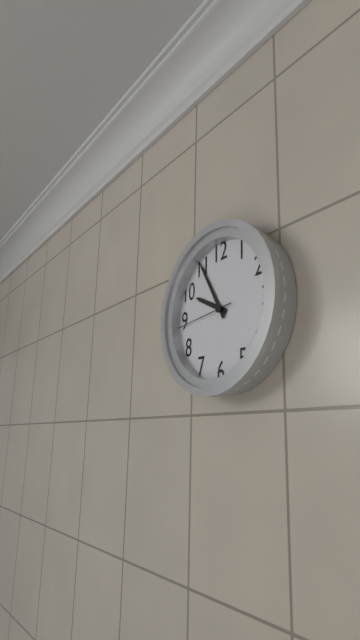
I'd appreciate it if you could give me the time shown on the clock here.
9:55:44
